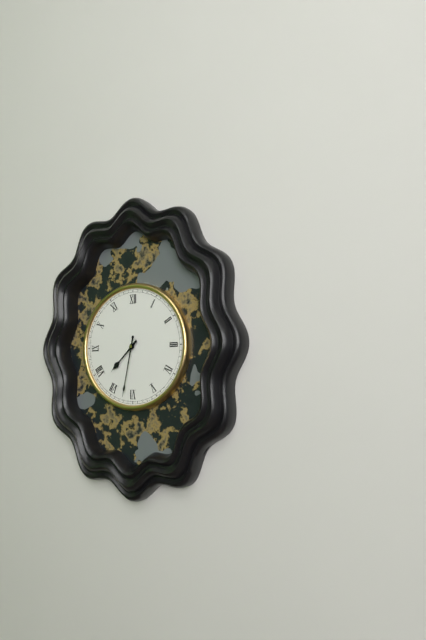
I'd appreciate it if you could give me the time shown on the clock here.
7:32
